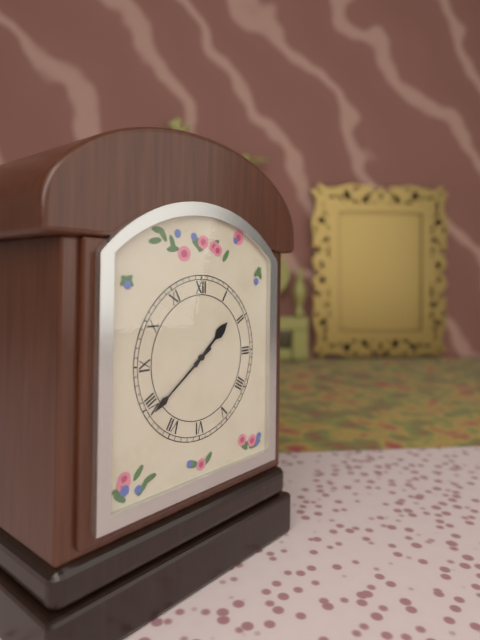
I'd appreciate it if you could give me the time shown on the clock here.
1:39
